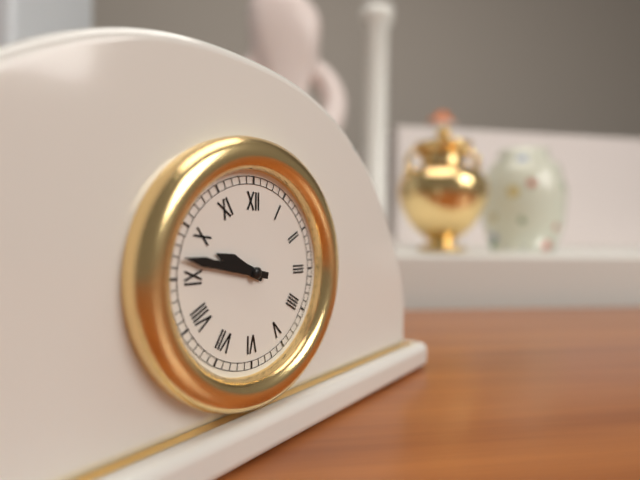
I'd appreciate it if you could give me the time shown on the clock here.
9:47
